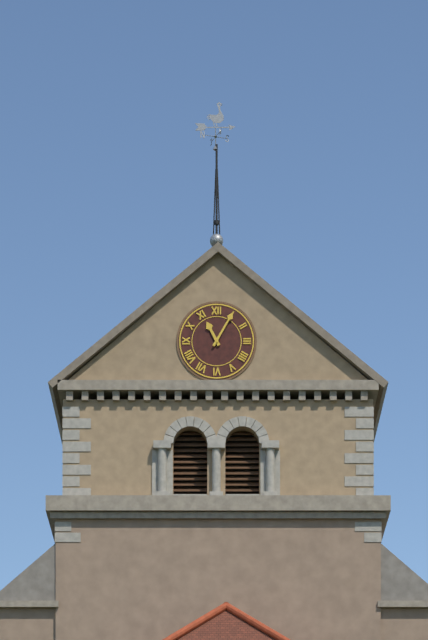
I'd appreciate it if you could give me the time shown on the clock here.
11:05
